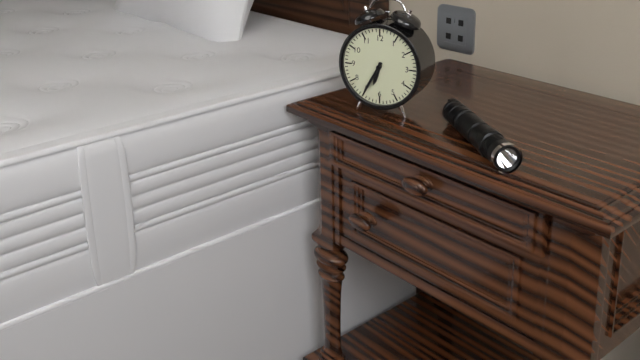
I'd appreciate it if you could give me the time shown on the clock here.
6:35
